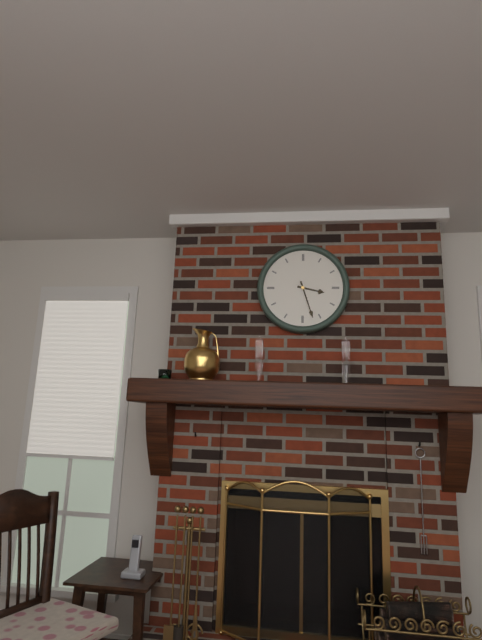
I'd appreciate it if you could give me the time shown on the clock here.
3:27
